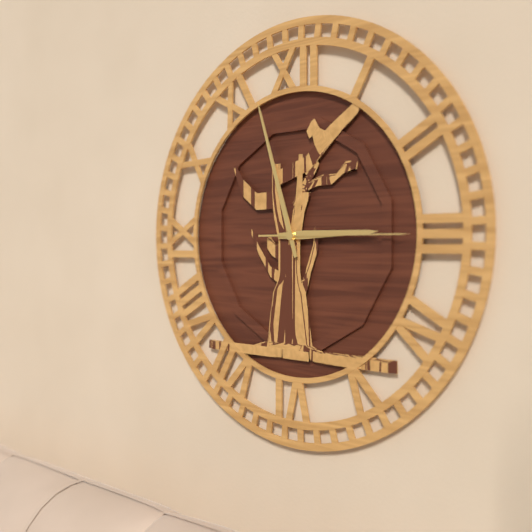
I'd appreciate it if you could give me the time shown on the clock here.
2:57:15
